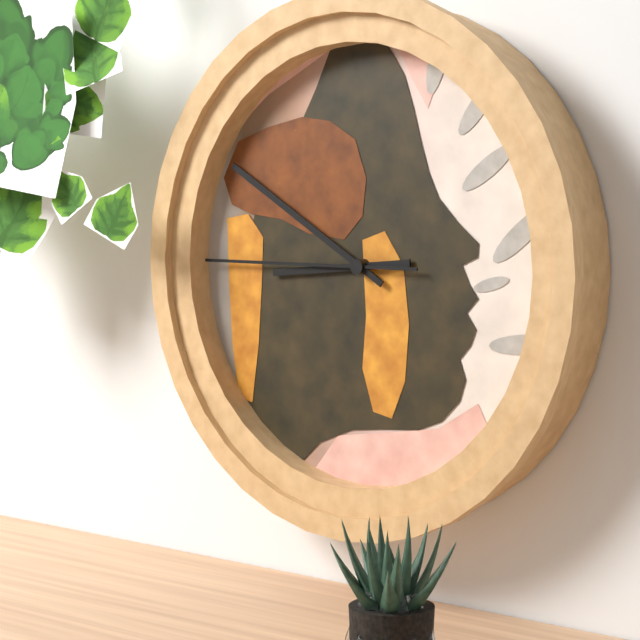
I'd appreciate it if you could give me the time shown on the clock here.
8:50:45
